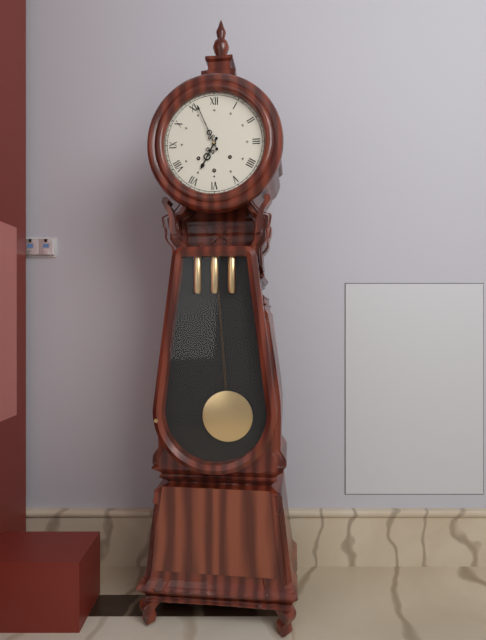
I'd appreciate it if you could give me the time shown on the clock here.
6:56
